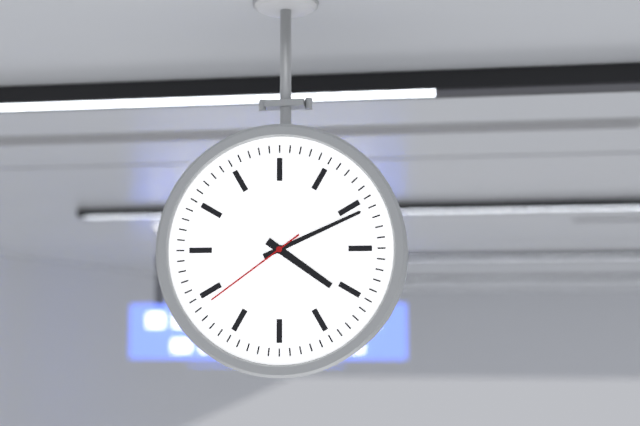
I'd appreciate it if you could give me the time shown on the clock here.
4:11:39
